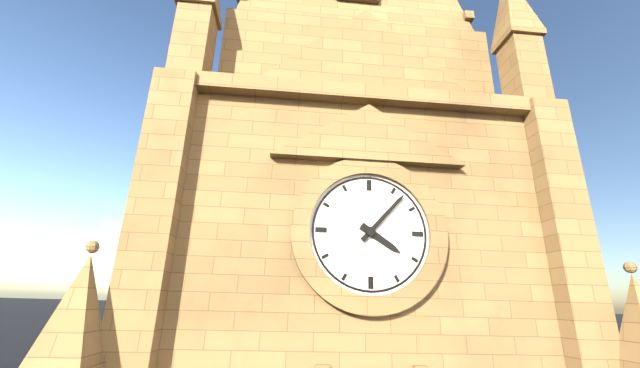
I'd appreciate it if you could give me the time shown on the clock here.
4:07
